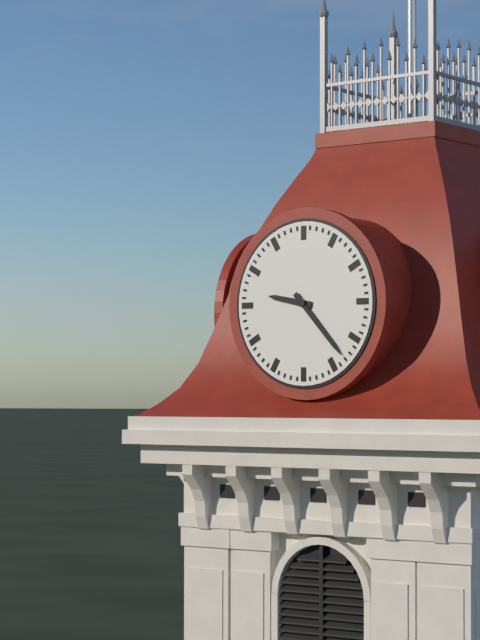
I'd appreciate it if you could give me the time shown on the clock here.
9:23
